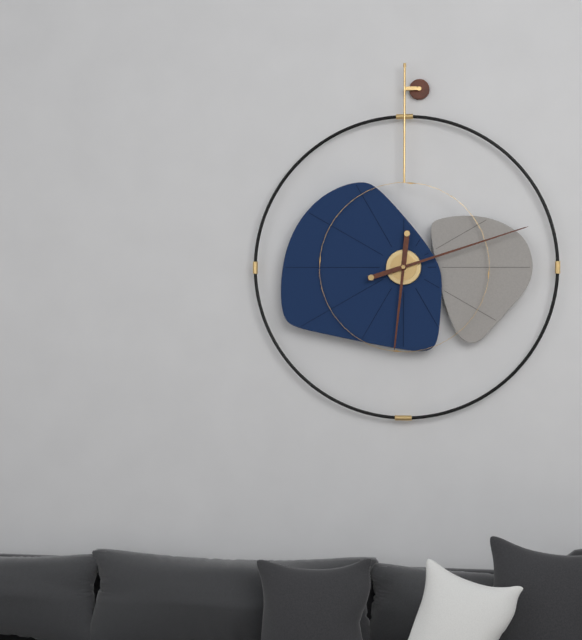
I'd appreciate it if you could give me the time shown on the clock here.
6:12
